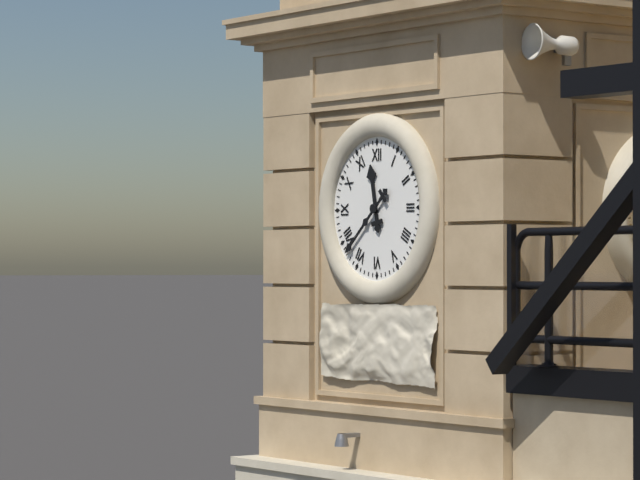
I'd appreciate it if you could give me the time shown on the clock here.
11:38
